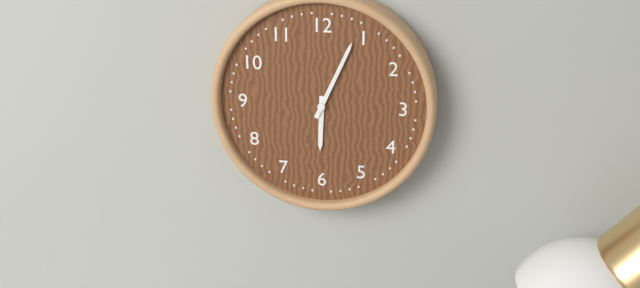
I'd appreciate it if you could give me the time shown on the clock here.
6:04
